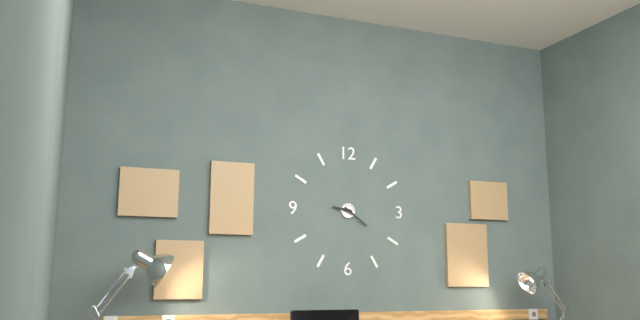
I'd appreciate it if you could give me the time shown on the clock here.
9:21
